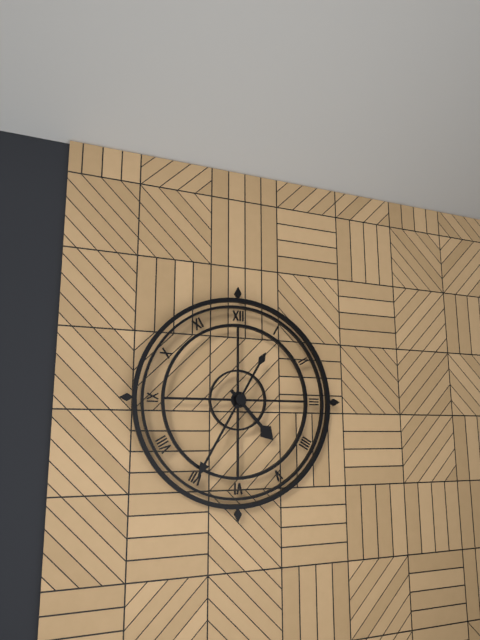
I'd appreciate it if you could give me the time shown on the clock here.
4:35
